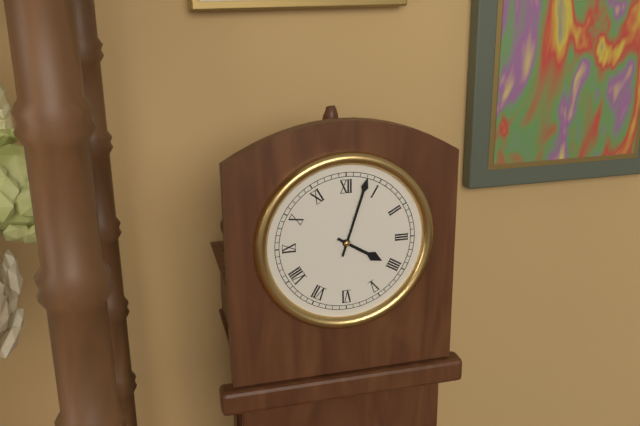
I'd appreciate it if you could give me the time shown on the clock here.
4:03
